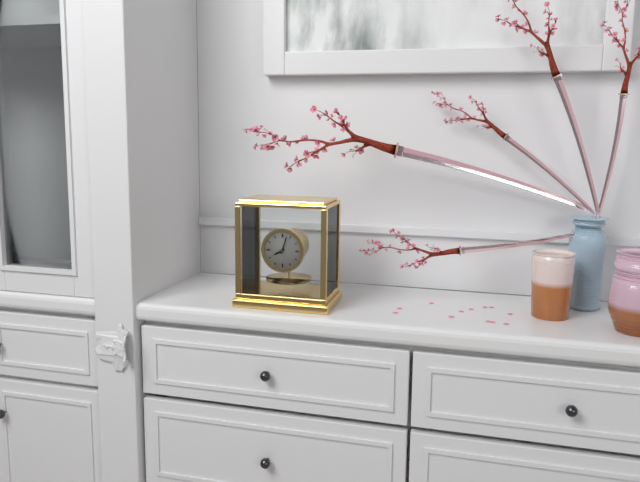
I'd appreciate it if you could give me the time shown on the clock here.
8:03
